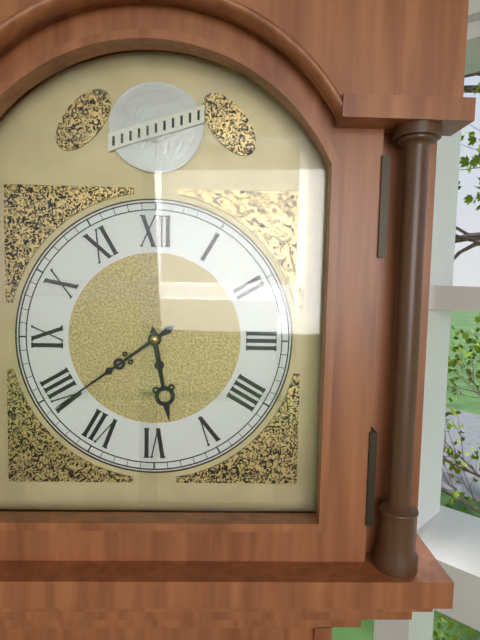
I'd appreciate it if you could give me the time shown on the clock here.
5:39
